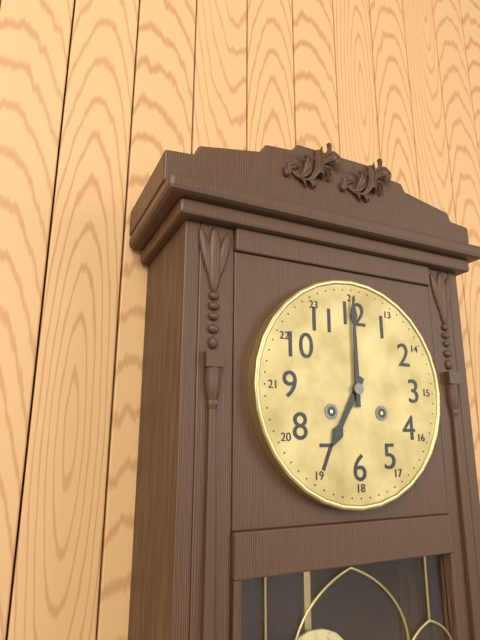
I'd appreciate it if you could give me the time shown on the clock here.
7:00
